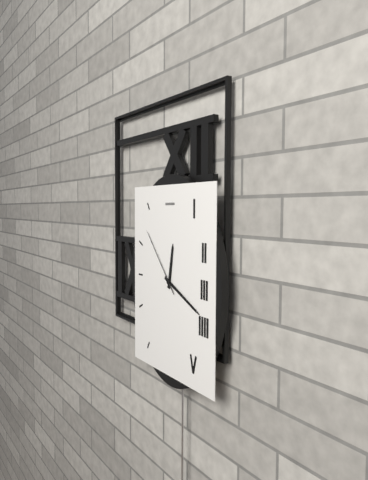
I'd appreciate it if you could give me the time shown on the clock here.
12:19:53
